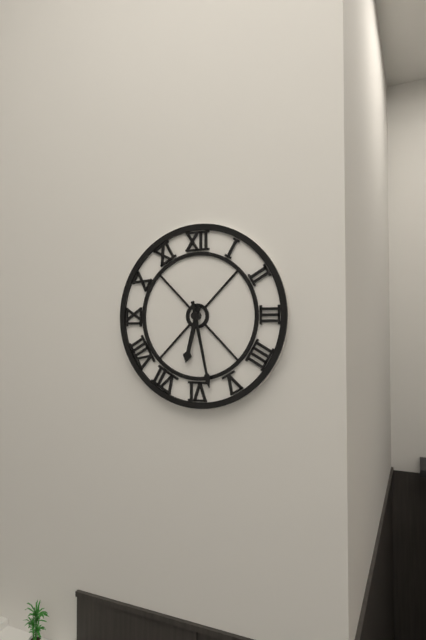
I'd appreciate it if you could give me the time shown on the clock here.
6:28
